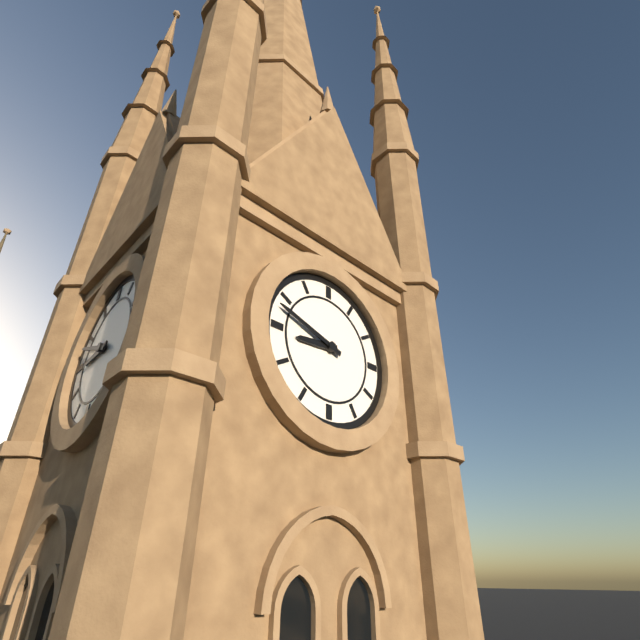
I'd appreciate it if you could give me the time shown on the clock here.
8:48
